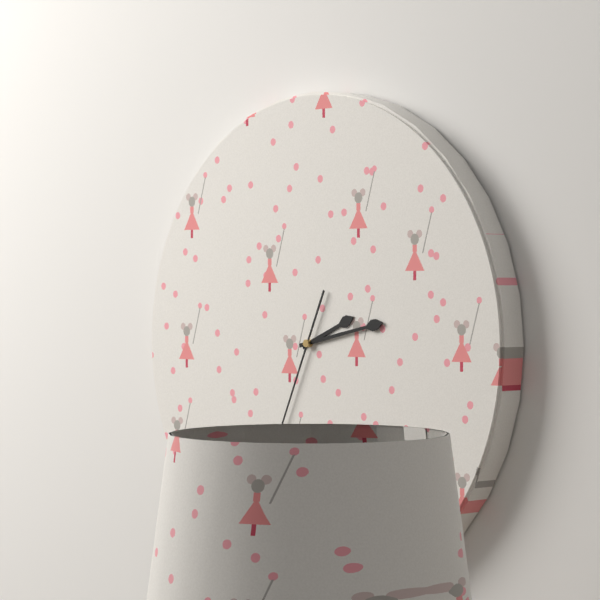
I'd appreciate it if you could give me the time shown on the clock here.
2:13
